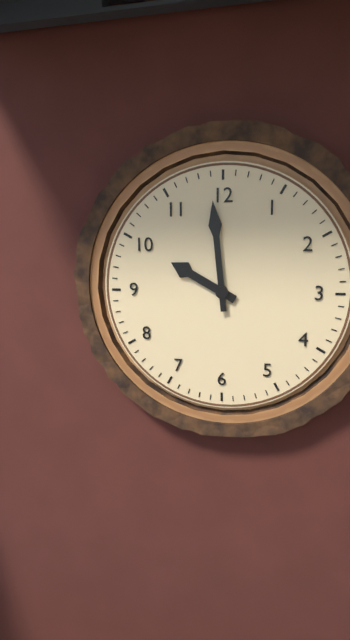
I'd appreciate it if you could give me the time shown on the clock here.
9:59
